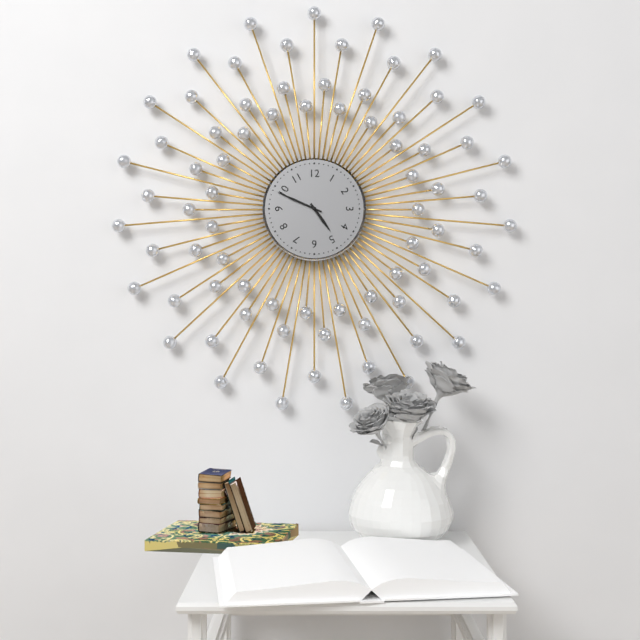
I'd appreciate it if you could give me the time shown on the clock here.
4:49
